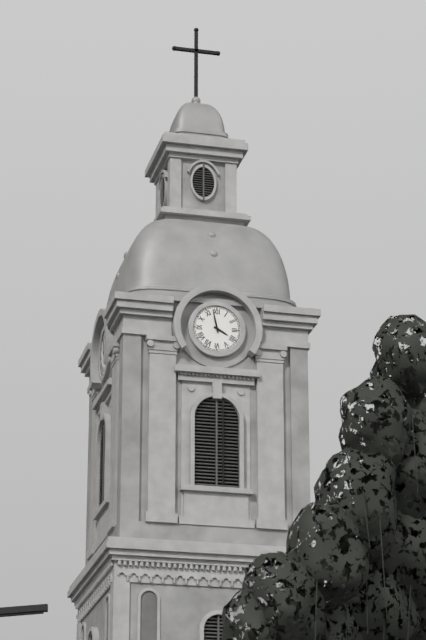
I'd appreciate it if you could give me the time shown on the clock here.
3:58
